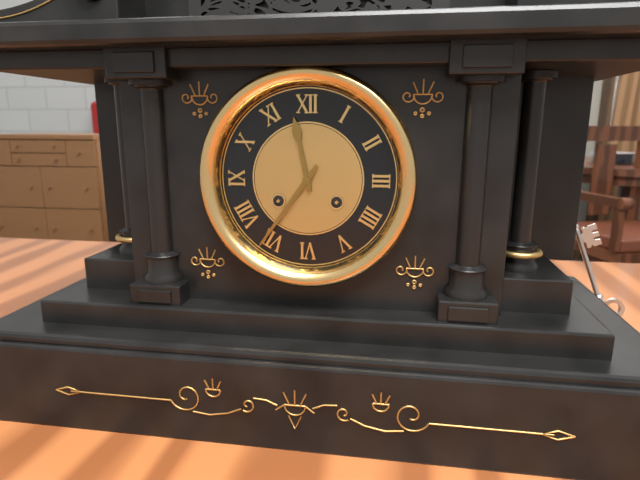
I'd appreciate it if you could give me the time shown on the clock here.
11:36
